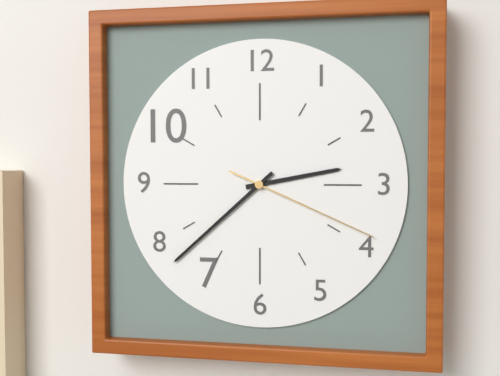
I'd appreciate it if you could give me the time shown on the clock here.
2:38:19
